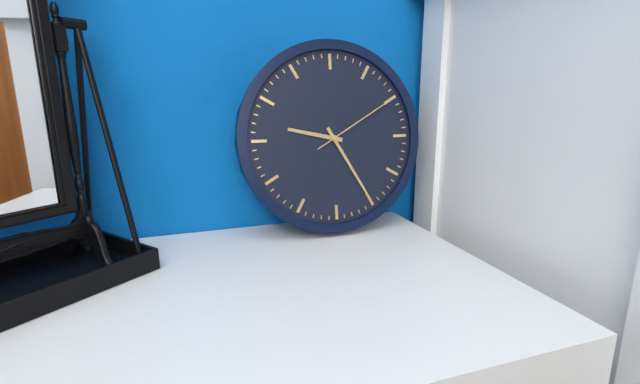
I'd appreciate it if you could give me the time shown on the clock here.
9:25:10
